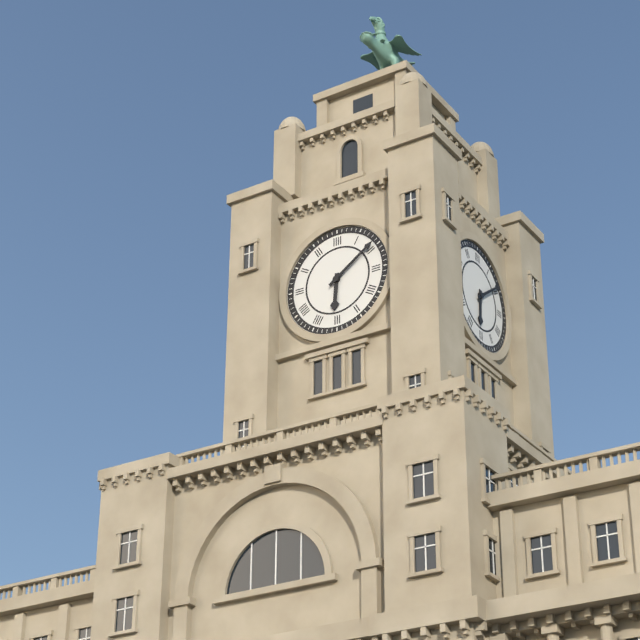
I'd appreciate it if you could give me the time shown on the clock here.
6:09
